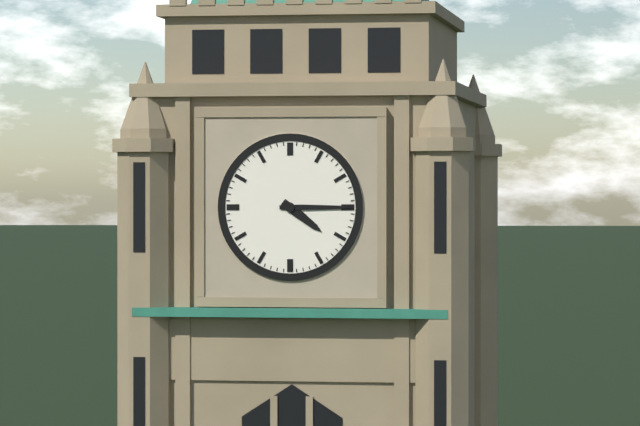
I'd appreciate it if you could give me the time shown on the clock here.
4:15
